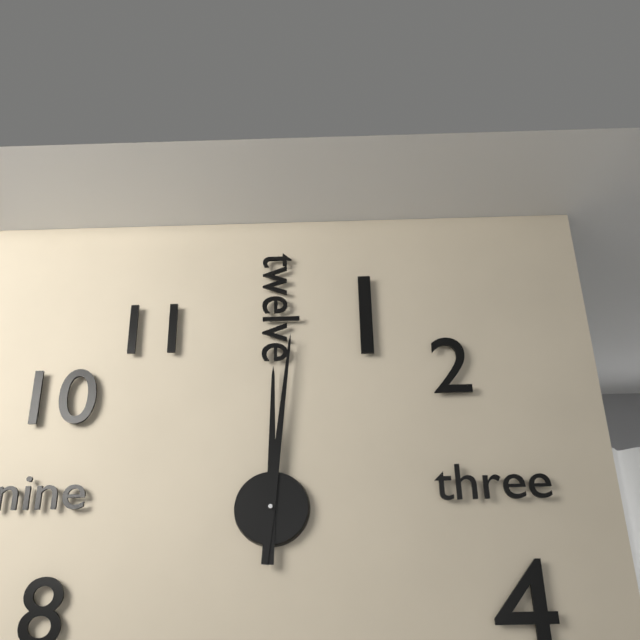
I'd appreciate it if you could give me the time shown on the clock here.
12:01
